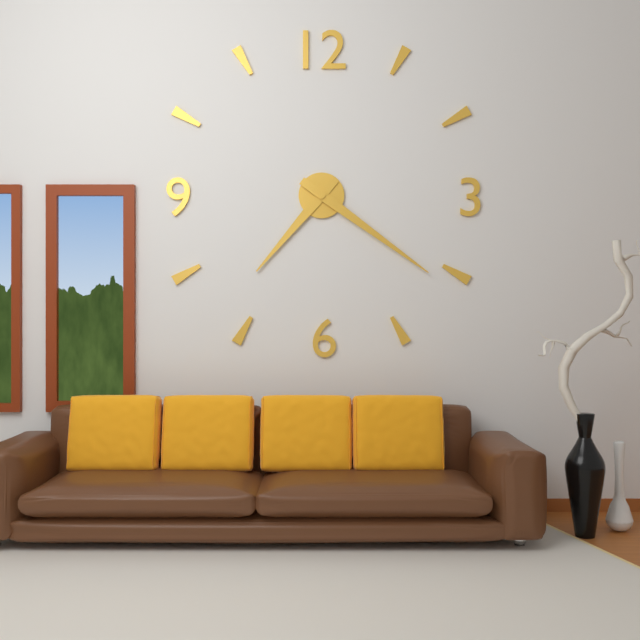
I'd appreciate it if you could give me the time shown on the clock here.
7:21
